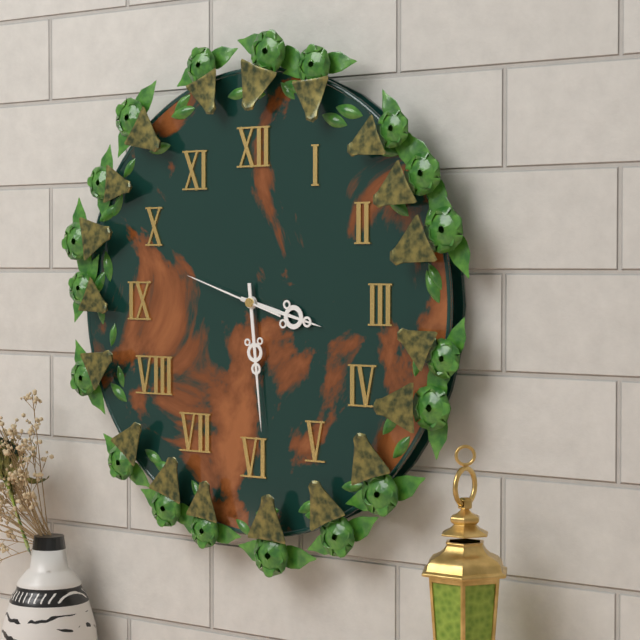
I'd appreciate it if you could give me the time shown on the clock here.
3:29:48
